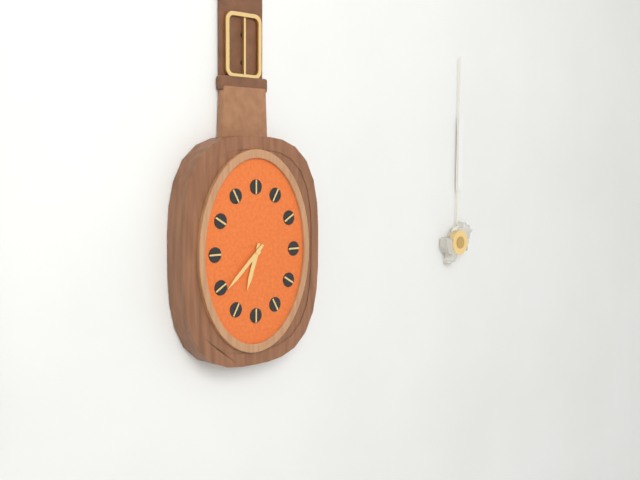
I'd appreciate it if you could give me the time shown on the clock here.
6:38
